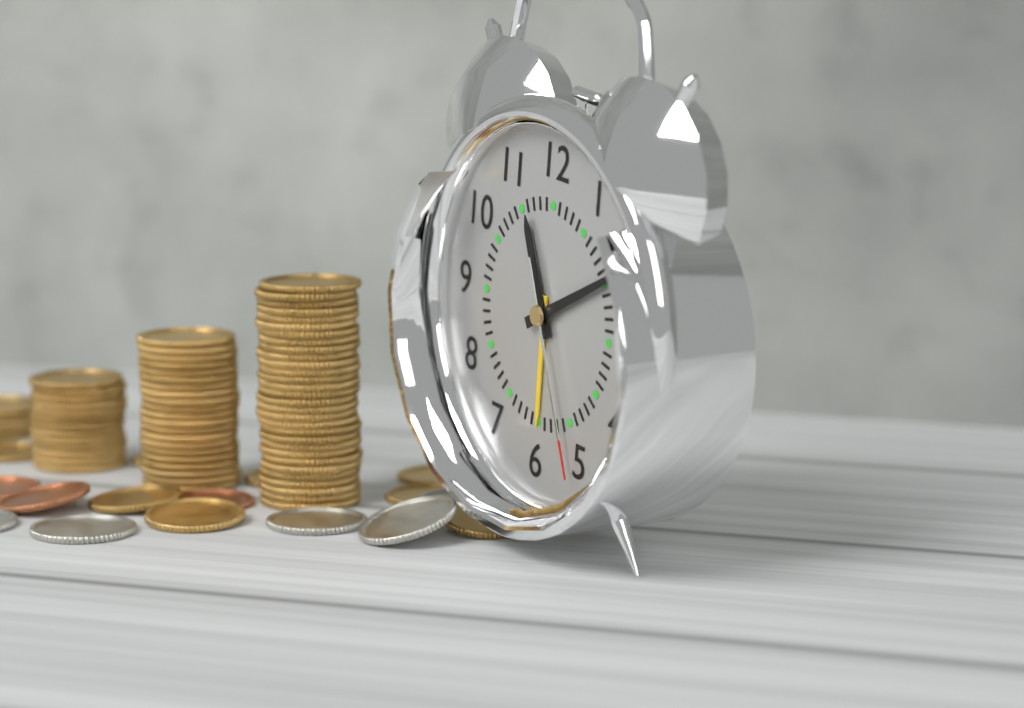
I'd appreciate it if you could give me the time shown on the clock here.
11:10:26
